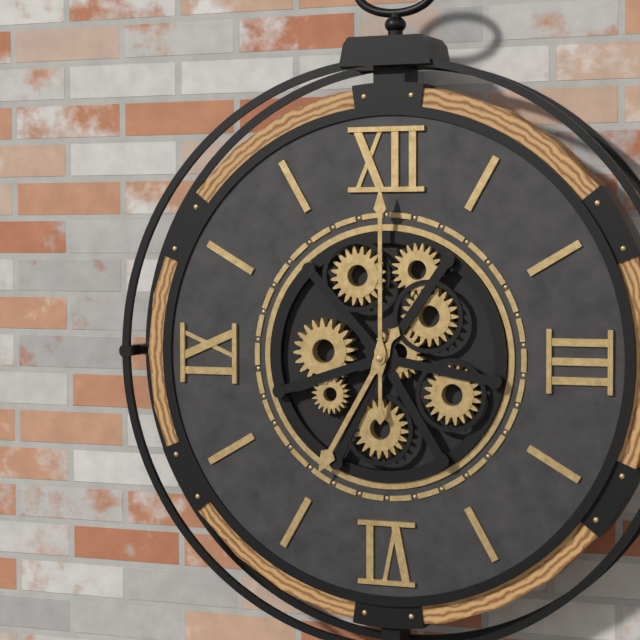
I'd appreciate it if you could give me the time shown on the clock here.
7:00
